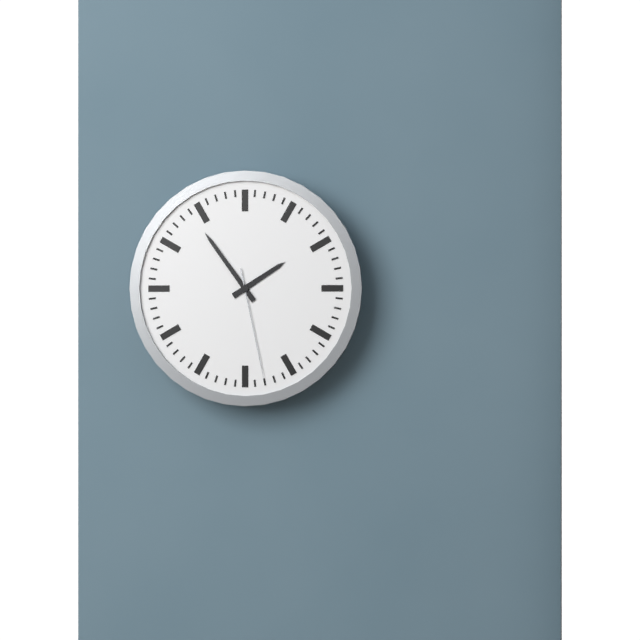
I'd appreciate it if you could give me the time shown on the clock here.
1:54:28
